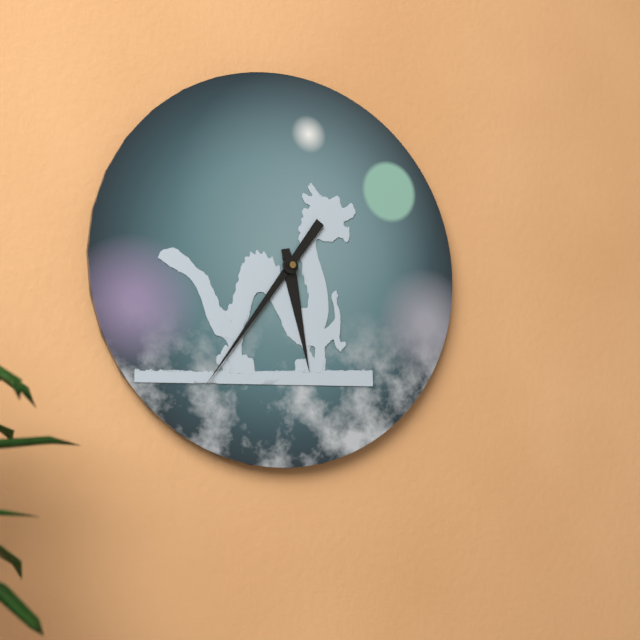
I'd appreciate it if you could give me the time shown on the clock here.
5:36
